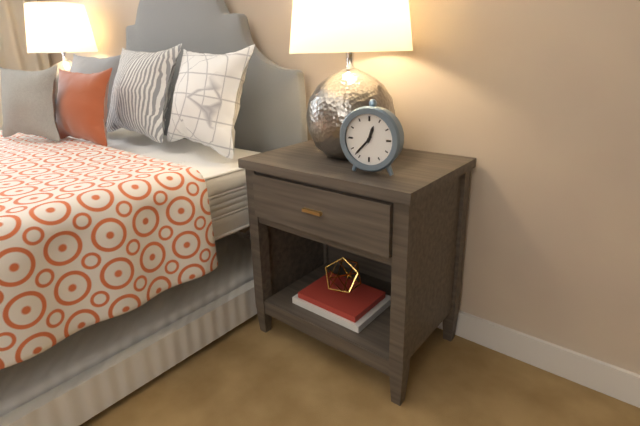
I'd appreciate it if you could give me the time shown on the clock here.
12:37
